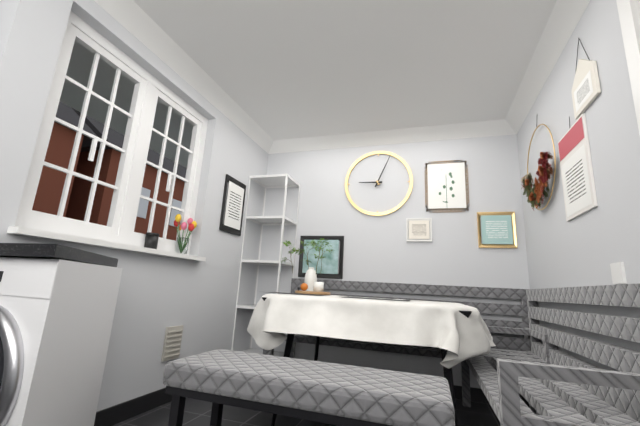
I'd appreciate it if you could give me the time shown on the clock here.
9:04
